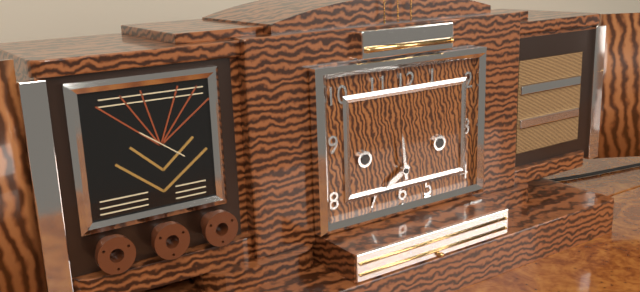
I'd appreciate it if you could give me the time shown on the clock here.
7:59
